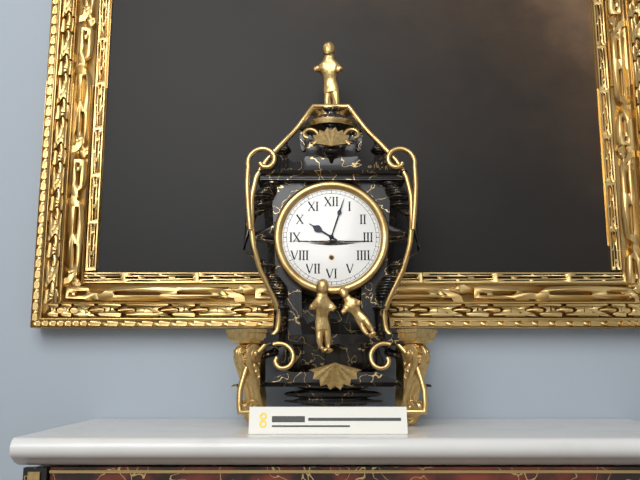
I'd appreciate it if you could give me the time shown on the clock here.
10:03
